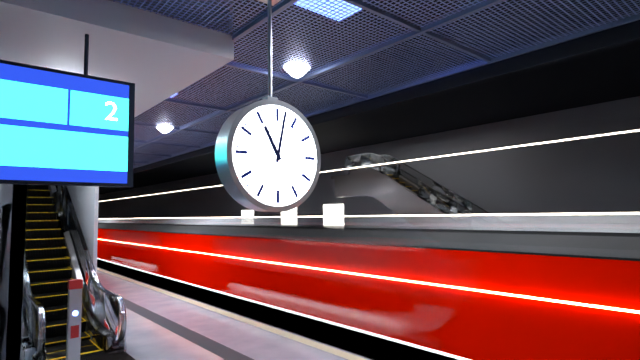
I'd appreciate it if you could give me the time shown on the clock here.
11:02
